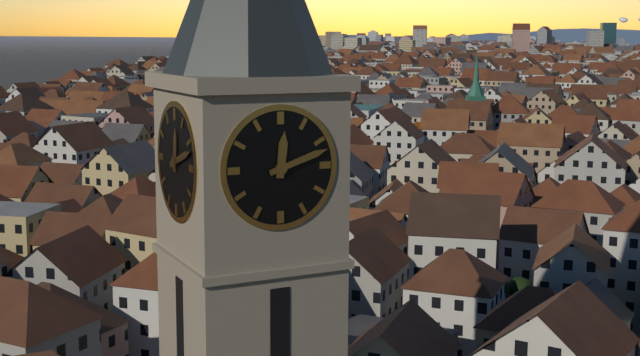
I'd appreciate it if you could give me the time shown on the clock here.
12:12
